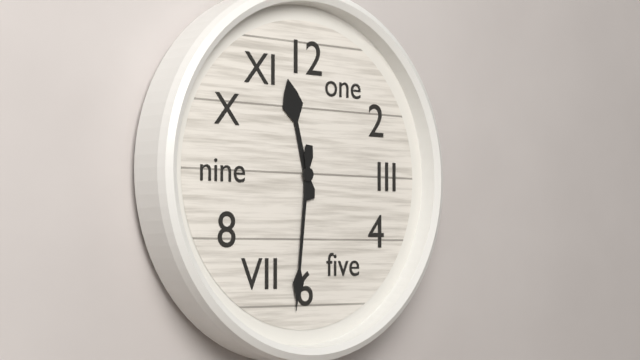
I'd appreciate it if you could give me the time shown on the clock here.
11:31
